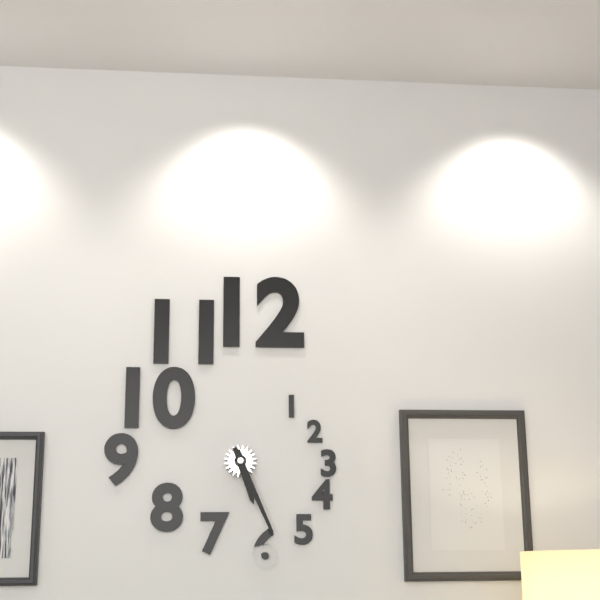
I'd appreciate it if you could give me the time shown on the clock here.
5:26
